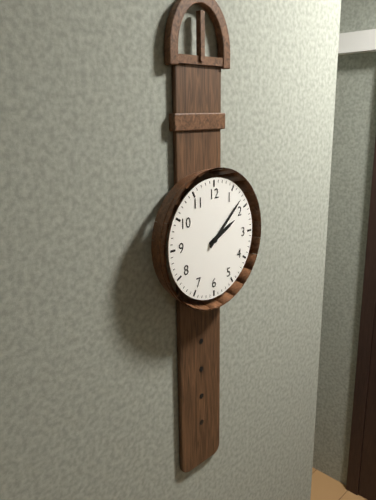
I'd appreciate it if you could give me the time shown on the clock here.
2:08
